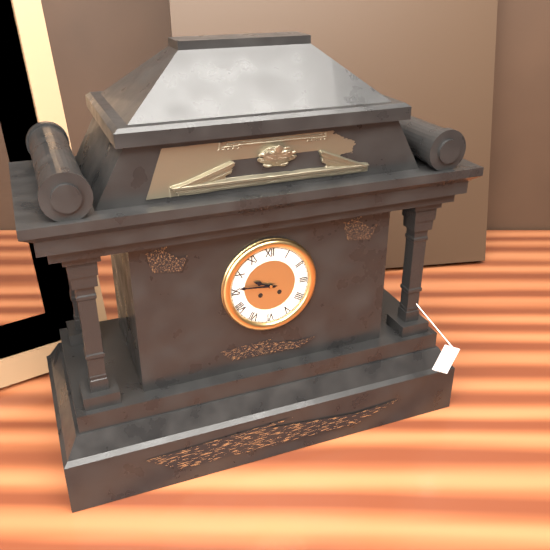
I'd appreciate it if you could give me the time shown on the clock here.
9:46
